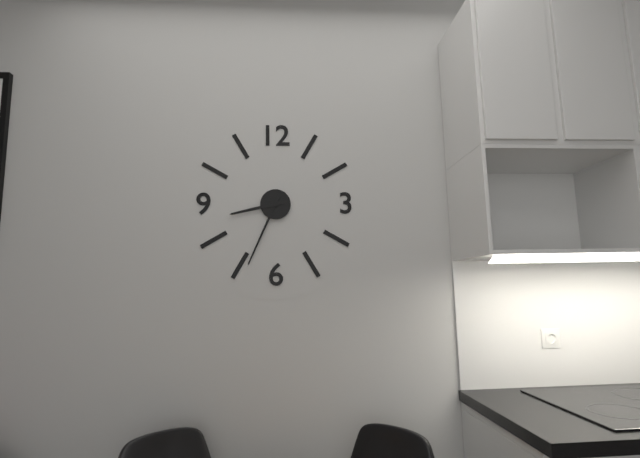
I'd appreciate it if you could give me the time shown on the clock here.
8:34
